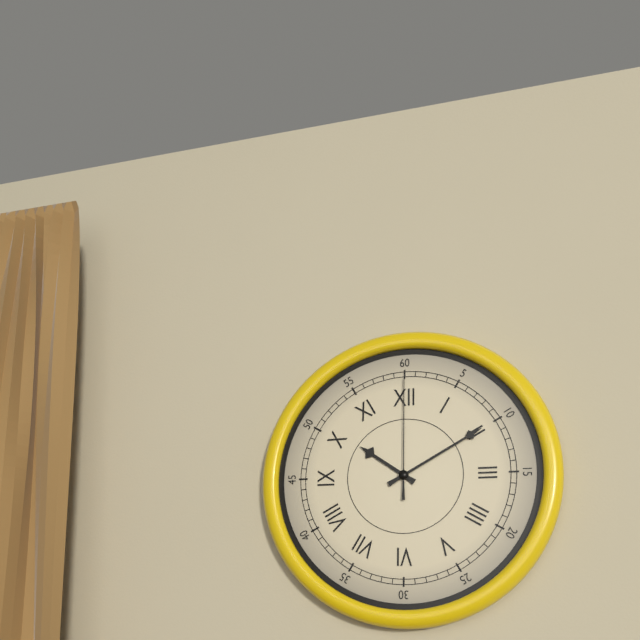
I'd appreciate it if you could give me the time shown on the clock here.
10:10:00
